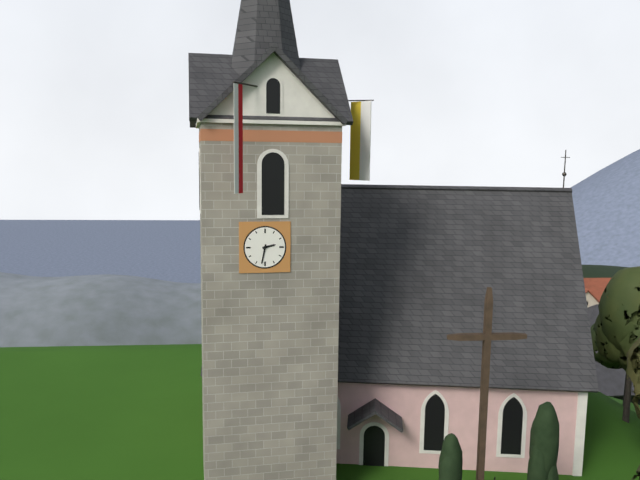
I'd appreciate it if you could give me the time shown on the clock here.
2:32
